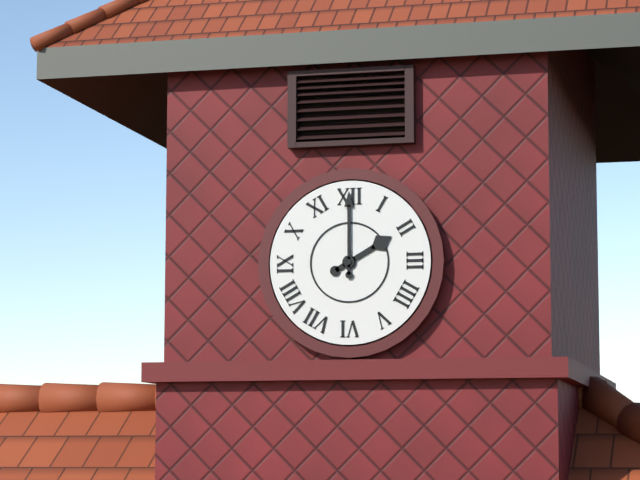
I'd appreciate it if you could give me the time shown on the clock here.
2:00
